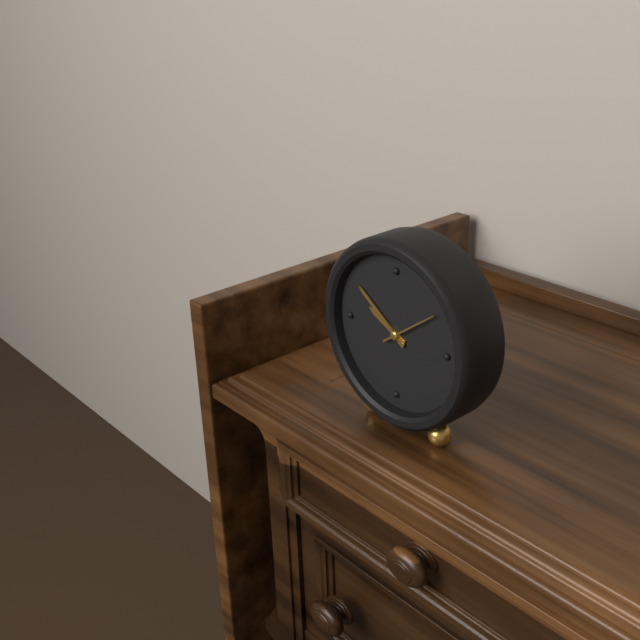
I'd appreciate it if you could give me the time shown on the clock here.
9:51:09
